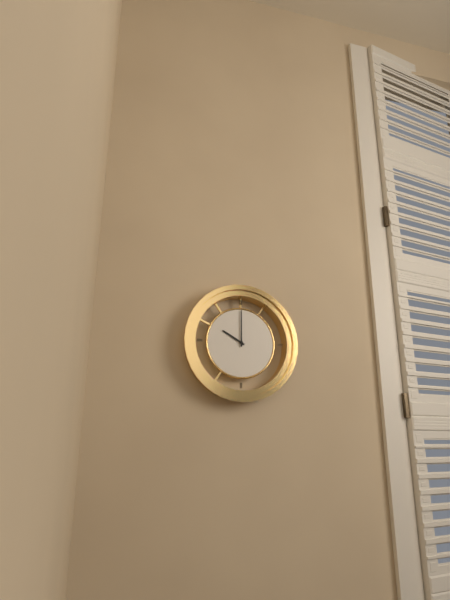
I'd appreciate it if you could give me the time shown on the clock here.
10:00
